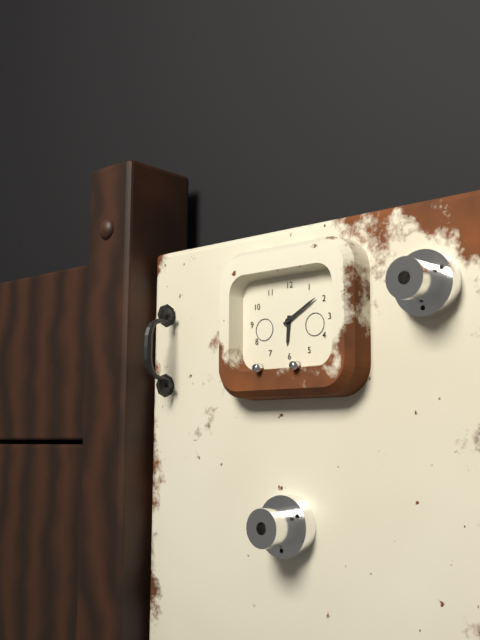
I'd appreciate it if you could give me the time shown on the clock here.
6:10
